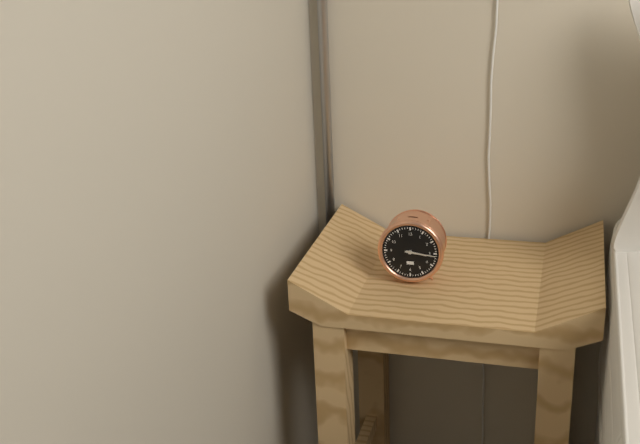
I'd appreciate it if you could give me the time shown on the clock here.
3:16
